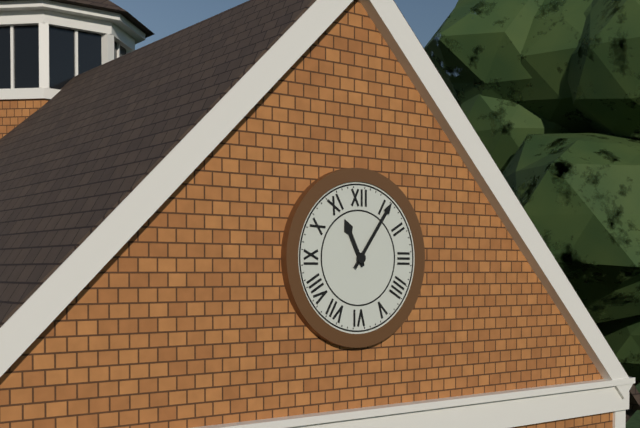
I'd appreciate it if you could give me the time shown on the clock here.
11:06
